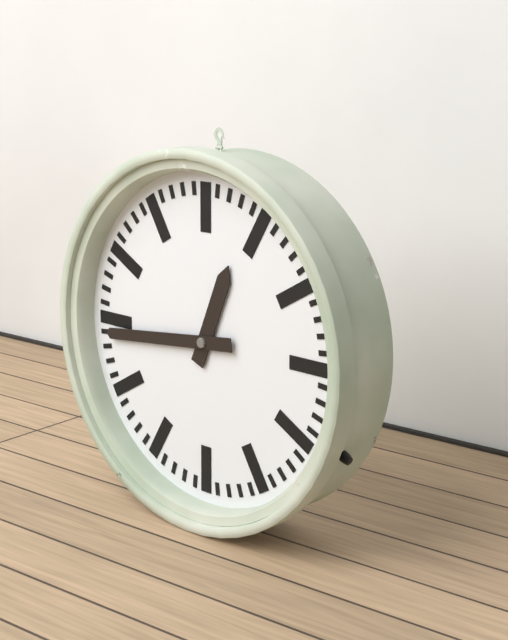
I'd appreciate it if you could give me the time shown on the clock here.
12:44
